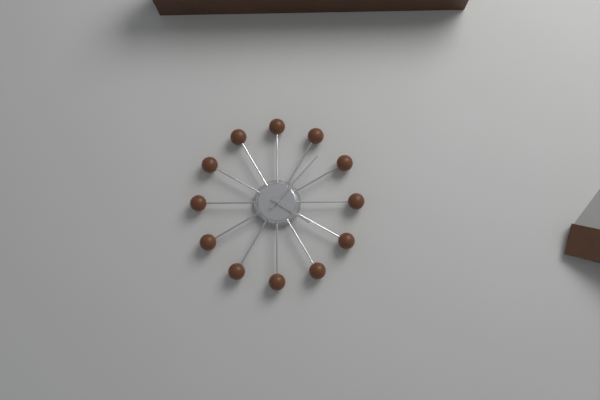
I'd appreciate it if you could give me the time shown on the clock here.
4:07
